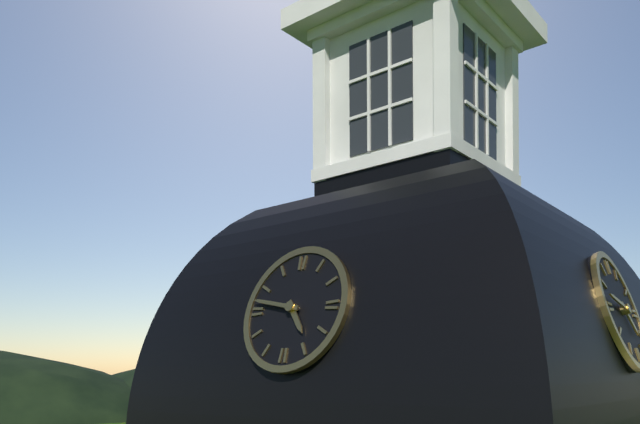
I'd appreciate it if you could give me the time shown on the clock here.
4:47
